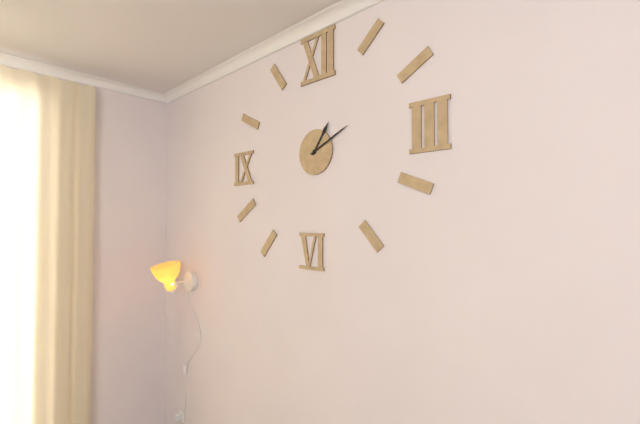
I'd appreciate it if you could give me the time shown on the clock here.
1:11
